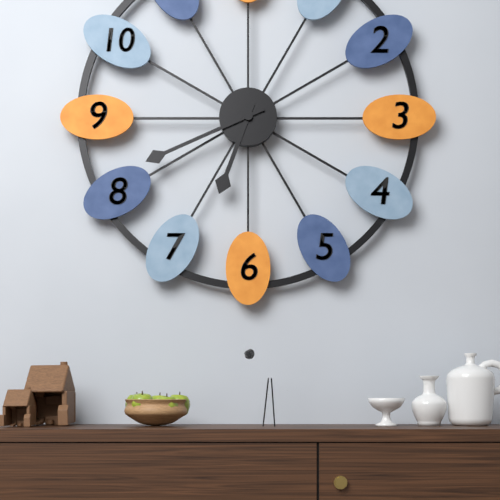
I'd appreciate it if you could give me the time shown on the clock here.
6:41
